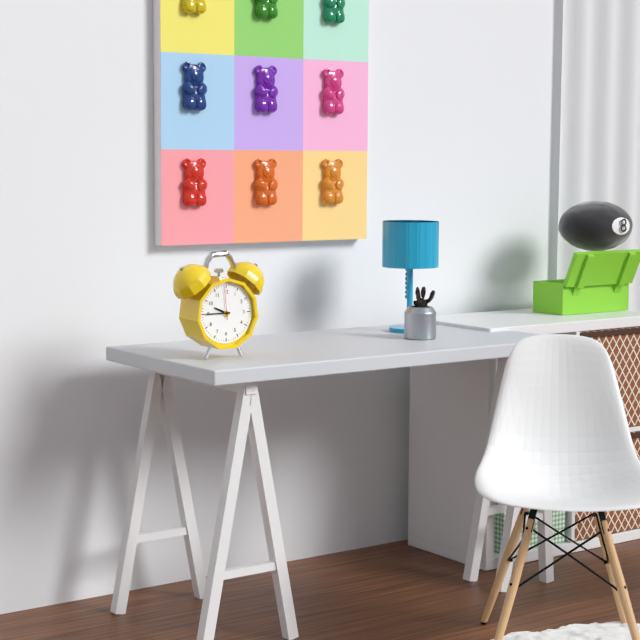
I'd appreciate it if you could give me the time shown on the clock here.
9:45
